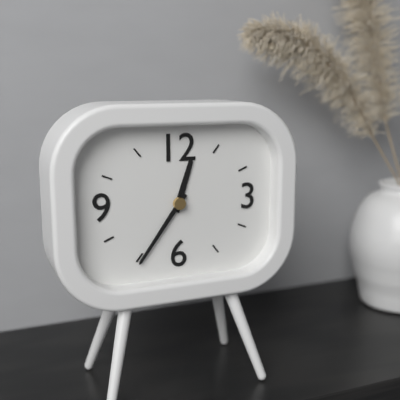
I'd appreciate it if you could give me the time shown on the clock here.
12:36
